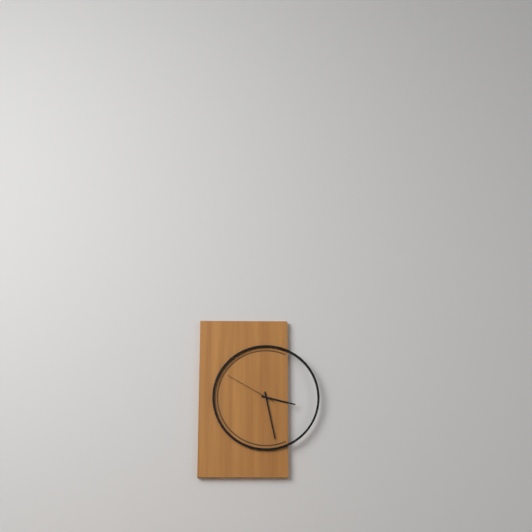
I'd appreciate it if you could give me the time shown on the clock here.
3:28:50
